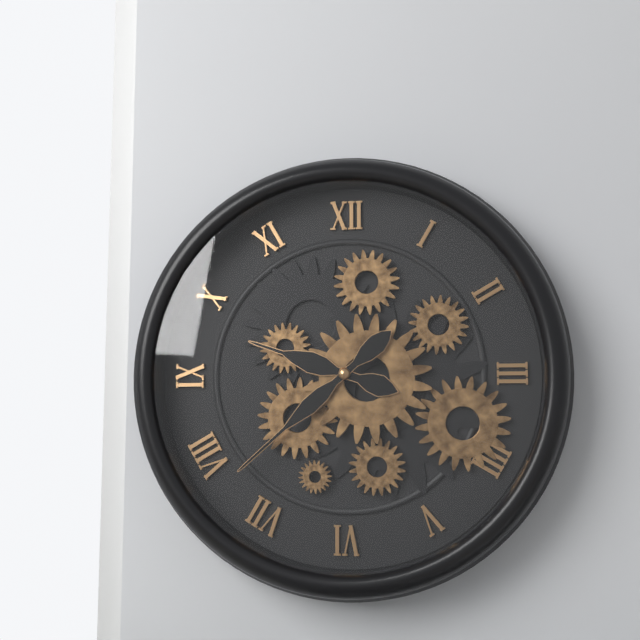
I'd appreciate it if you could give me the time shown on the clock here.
9:38
